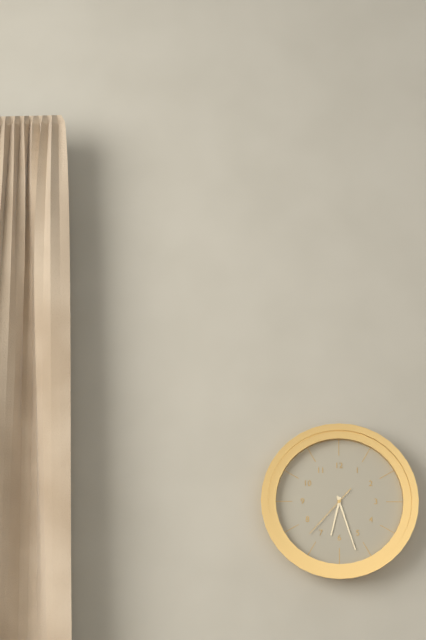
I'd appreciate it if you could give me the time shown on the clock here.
6:27:37
